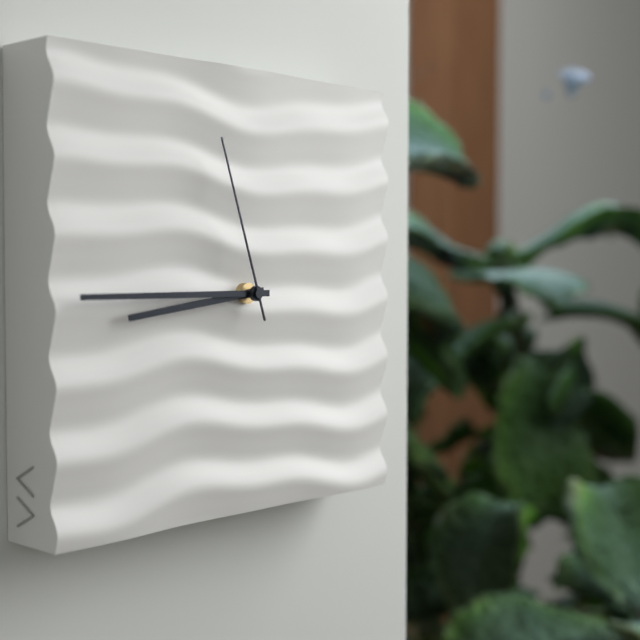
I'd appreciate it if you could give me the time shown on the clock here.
8:45:57
